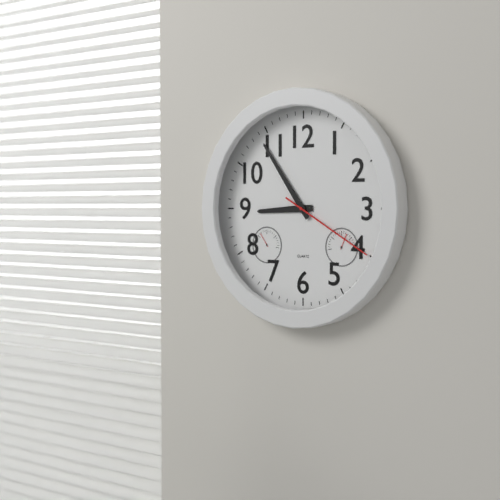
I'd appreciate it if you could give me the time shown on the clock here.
8:54:20
